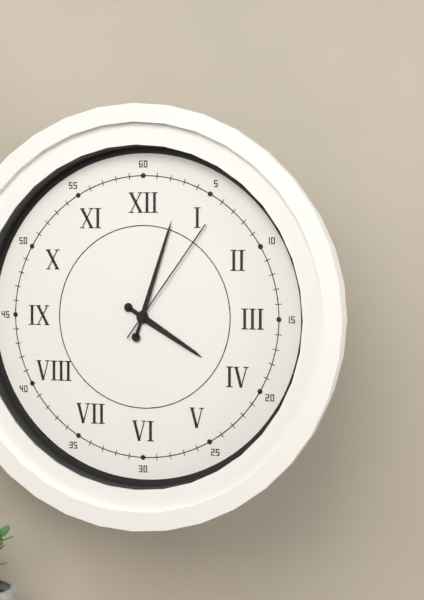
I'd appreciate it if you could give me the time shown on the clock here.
4:03:06
